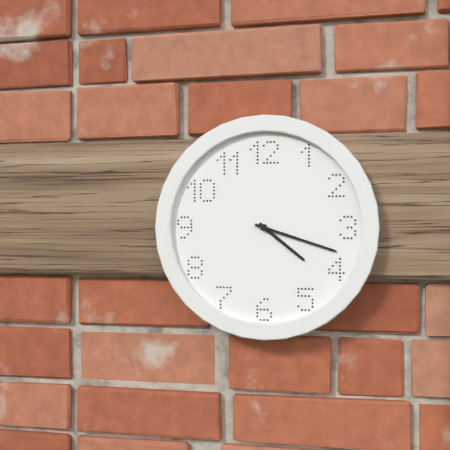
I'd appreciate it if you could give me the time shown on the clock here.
4:18
